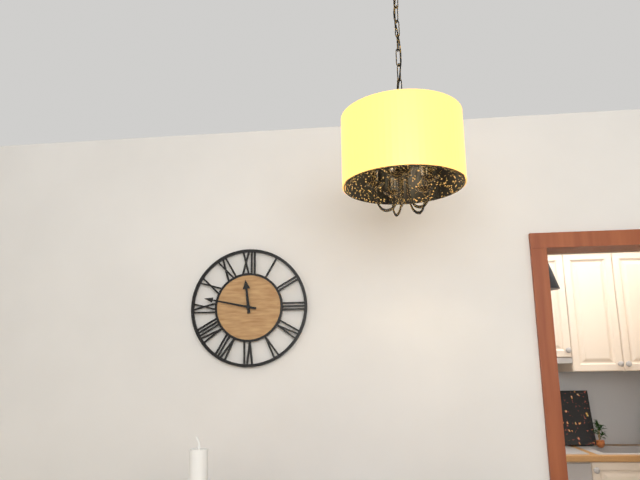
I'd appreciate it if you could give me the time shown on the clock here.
11:47
